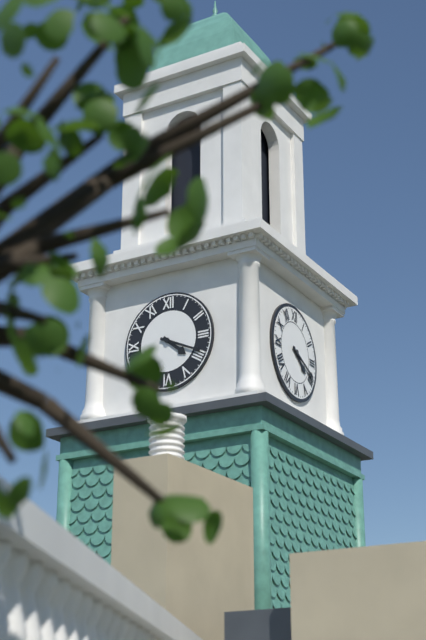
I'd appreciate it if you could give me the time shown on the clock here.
4:19
